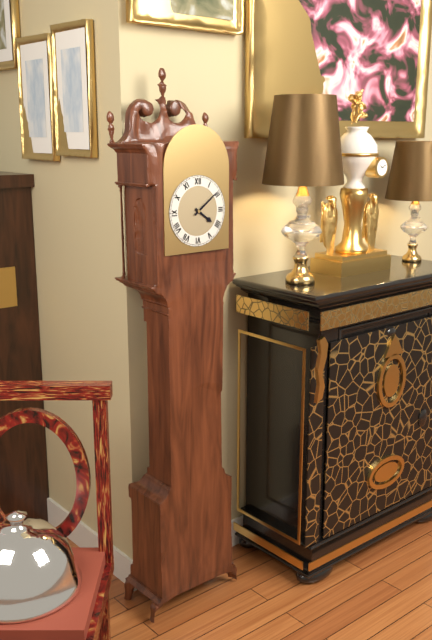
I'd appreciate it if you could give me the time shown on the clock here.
4:09
